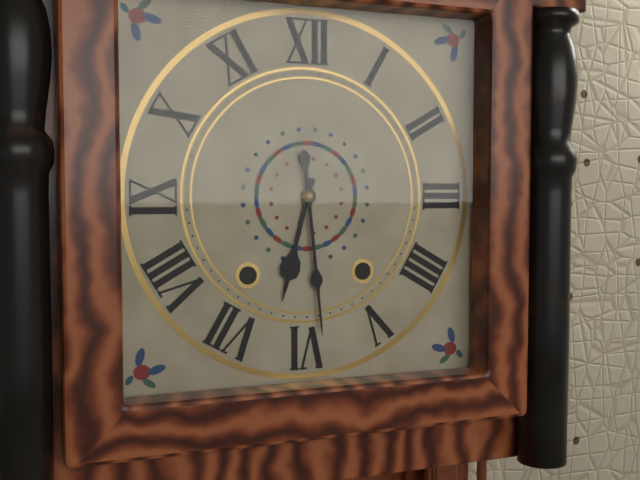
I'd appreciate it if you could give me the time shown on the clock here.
6:29
